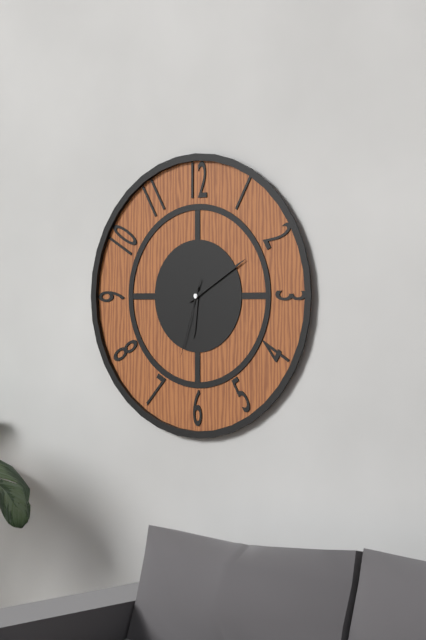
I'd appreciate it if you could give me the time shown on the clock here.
6:10:33
